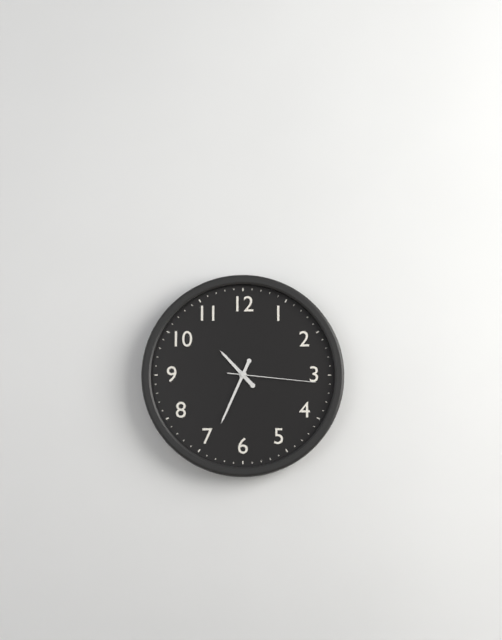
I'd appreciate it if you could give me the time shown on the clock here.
10:34:16
